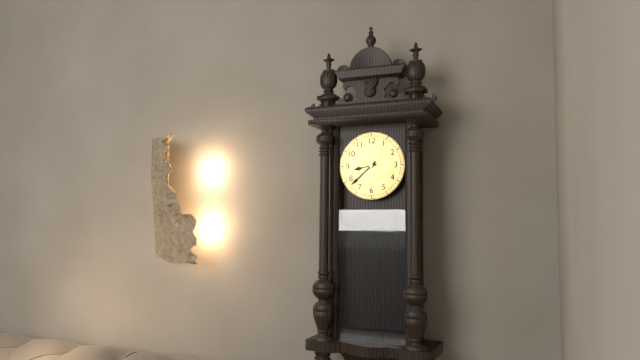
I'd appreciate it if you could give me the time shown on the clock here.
8:38
